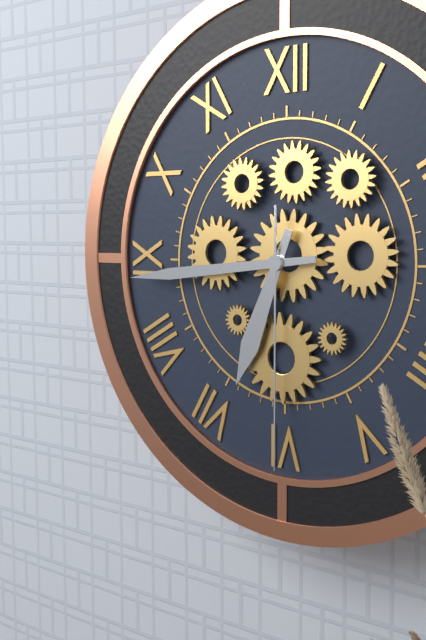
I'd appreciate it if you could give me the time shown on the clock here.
6:44:30
